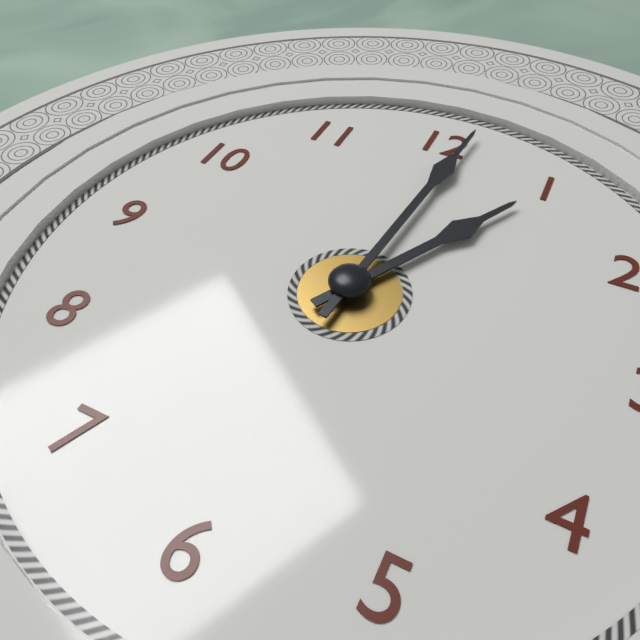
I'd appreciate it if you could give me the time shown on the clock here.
1:01
